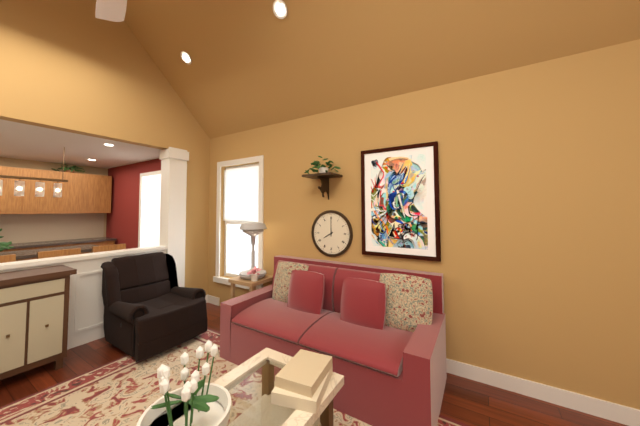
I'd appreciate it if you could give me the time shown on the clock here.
8:00
